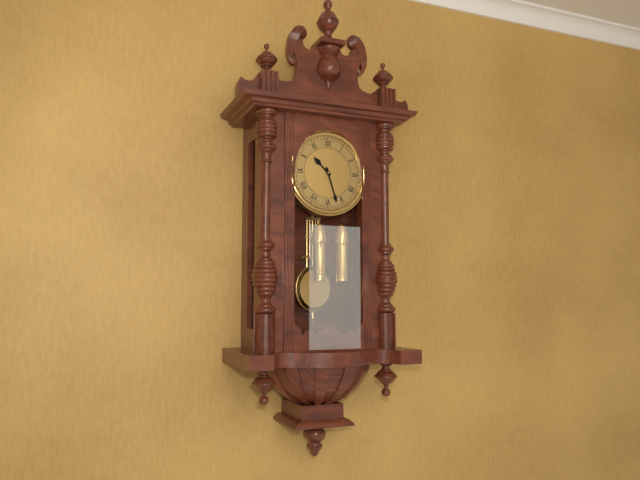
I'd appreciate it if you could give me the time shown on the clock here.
10:27
